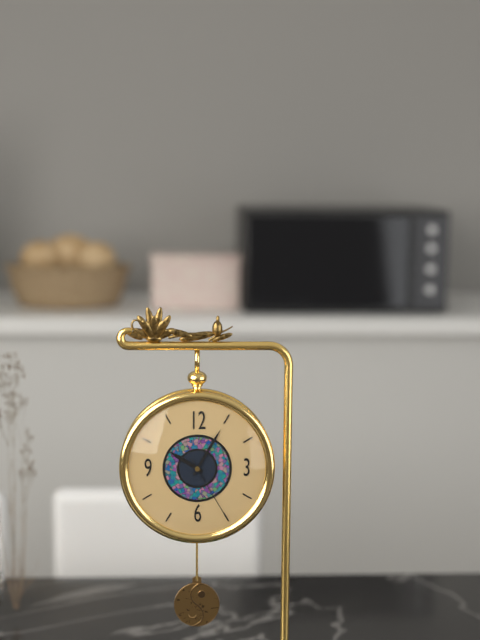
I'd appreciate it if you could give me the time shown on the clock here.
10:05:25
